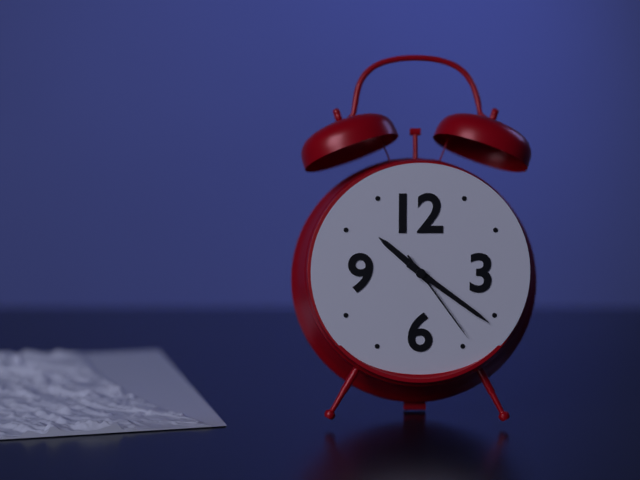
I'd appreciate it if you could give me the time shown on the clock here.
10:21:24
